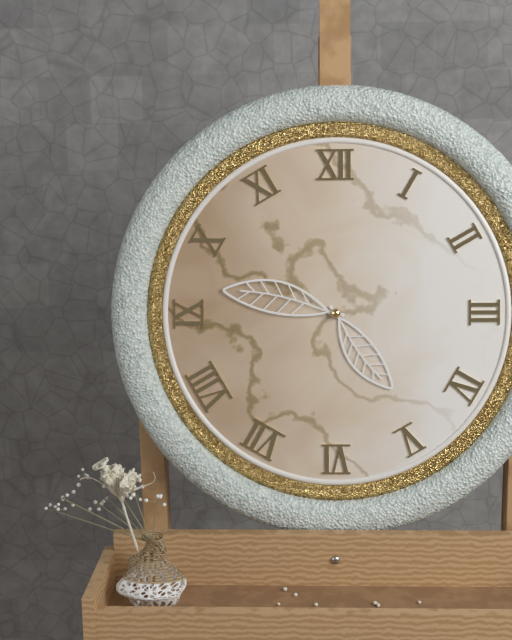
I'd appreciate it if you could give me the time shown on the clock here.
4:47
